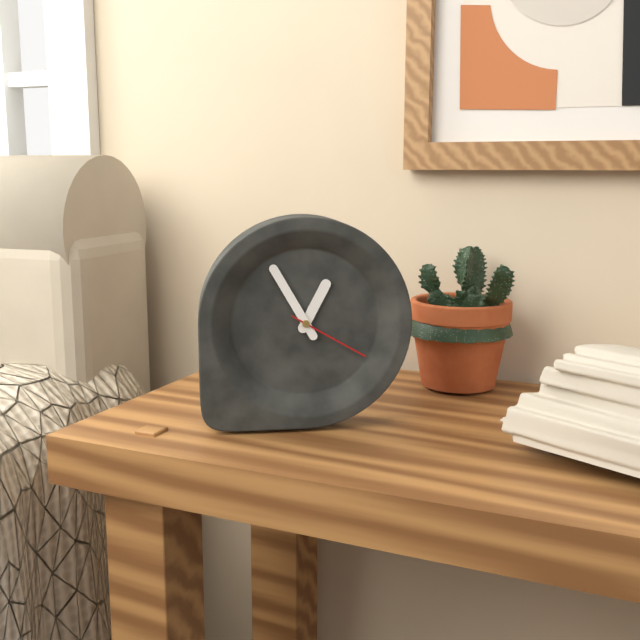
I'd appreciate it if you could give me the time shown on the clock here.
12:55:20
